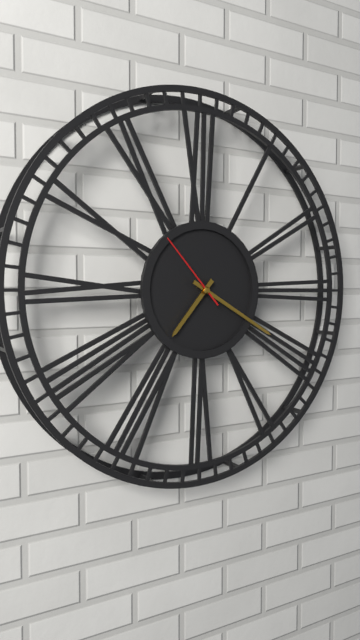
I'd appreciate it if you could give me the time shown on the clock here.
7:20:53
